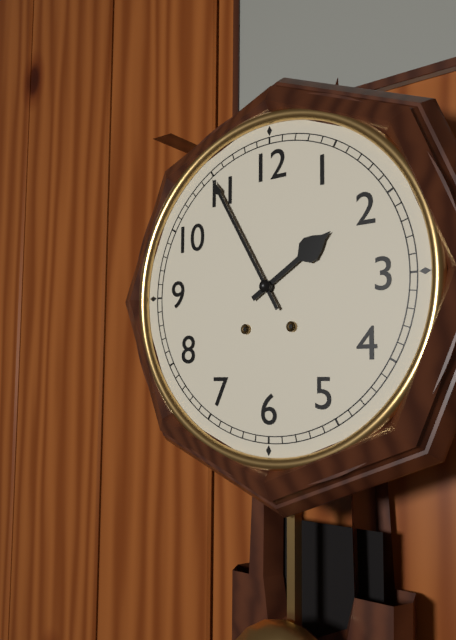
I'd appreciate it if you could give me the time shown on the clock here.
1:55
